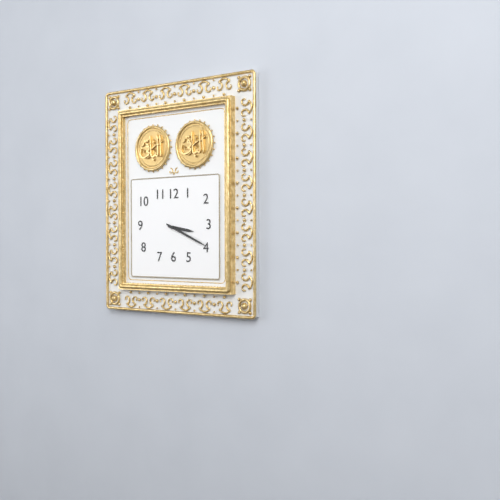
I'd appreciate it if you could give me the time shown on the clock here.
3:19
